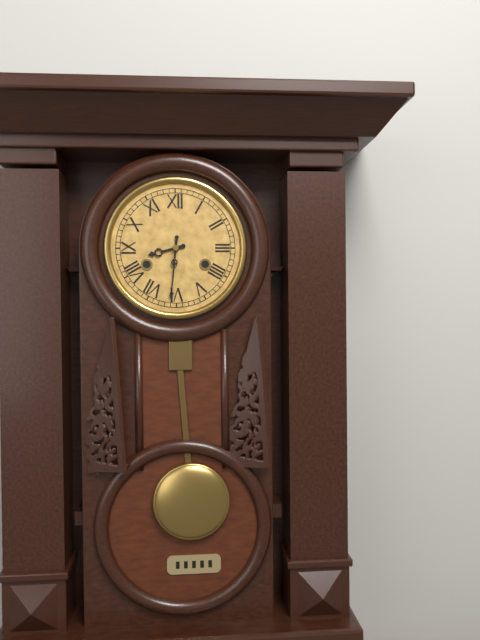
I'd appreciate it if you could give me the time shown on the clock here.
8:31
